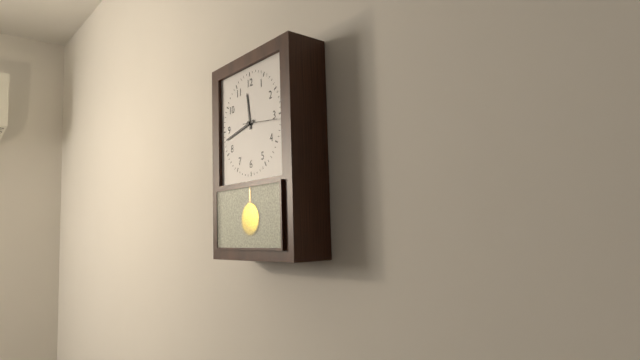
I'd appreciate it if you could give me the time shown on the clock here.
11:43
